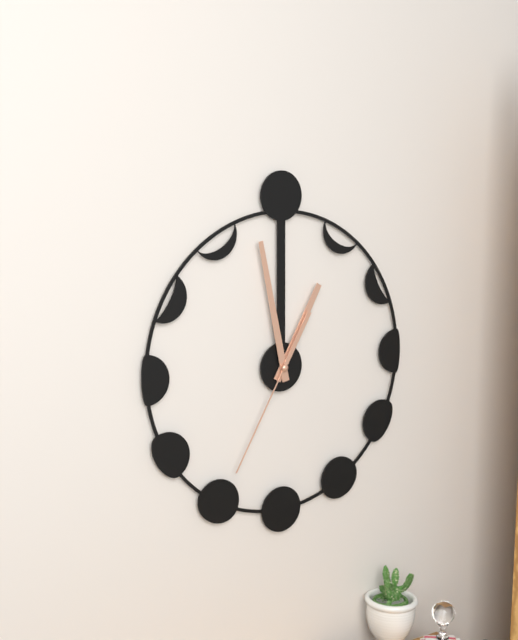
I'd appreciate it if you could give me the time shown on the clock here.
12:58:35
